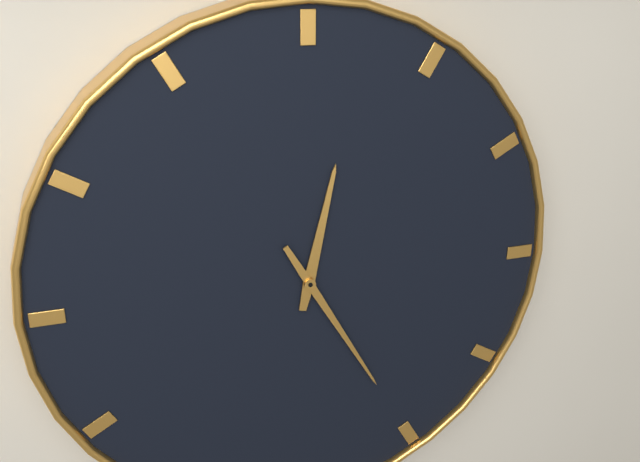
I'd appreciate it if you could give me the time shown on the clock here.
12:25
